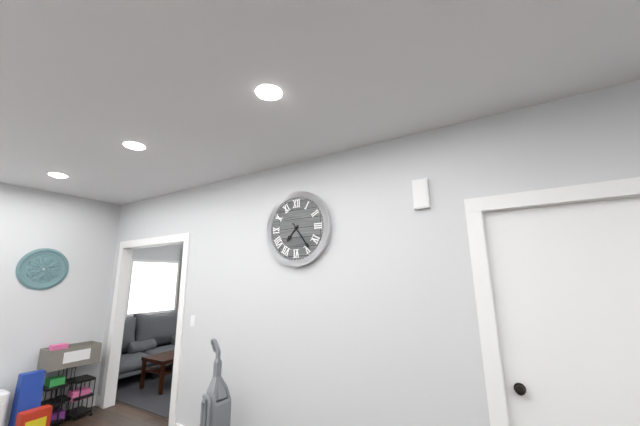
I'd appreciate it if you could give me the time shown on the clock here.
7:24
